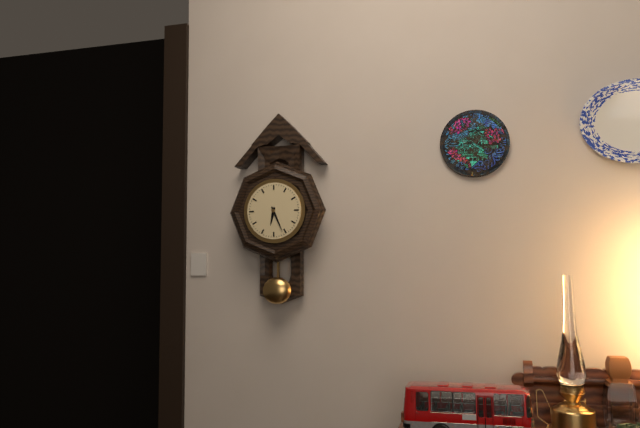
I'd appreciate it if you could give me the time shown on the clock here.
6:26
